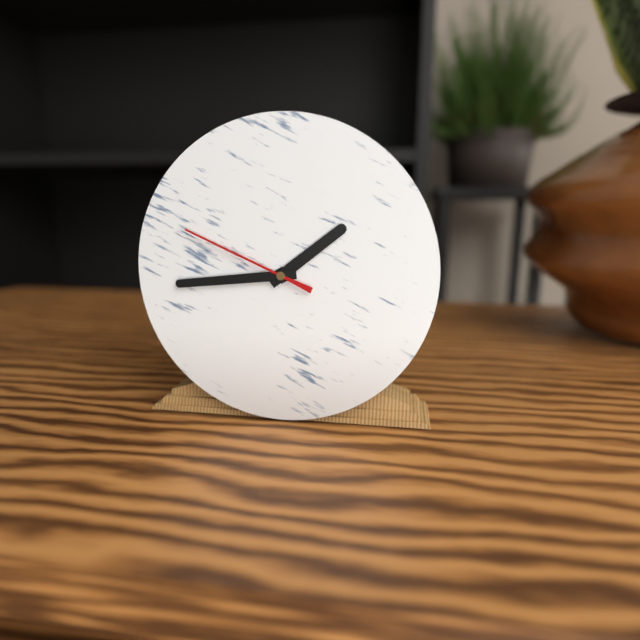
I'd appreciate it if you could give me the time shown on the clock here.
1:44:49
